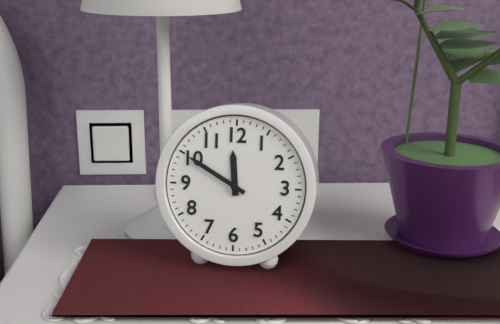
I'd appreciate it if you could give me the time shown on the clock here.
11:50
